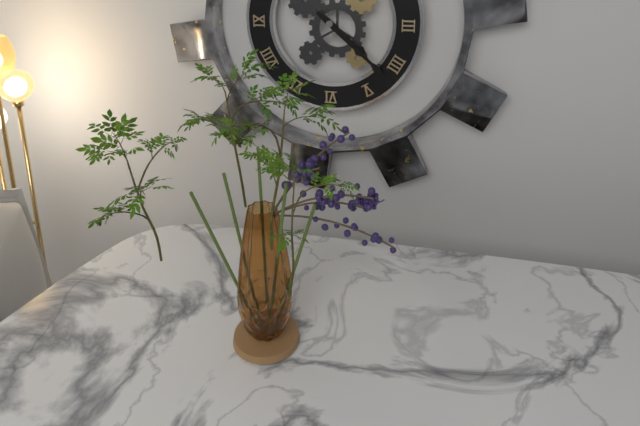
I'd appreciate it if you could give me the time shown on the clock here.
4:22
